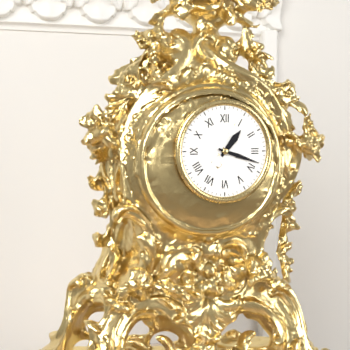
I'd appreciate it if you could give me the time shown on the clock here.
1:18
